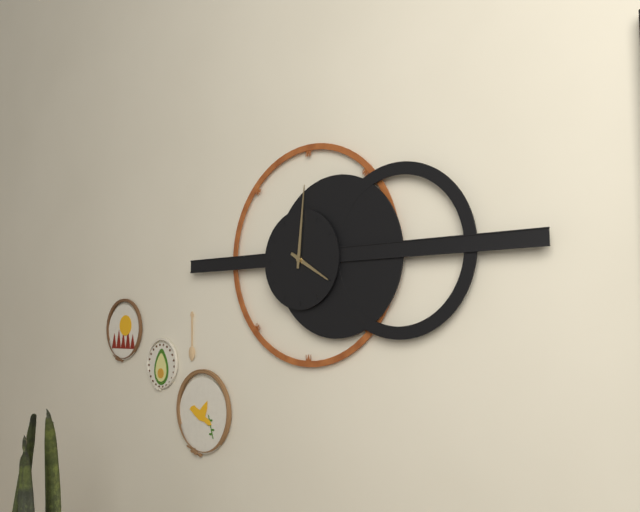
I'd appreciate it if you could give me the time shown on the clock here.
4:01
